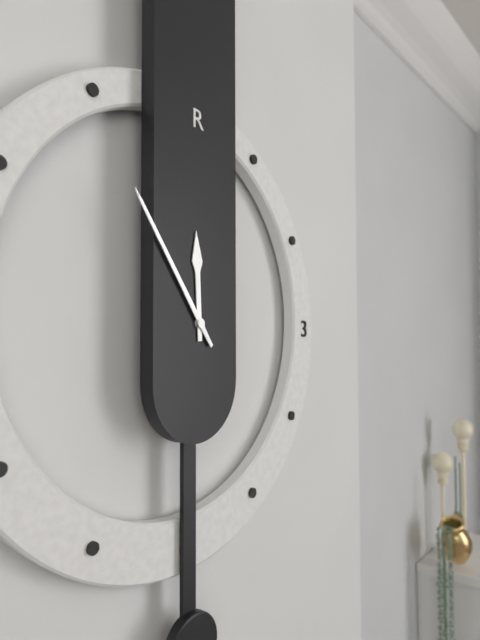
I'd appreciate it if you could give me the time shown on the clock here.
11:54
